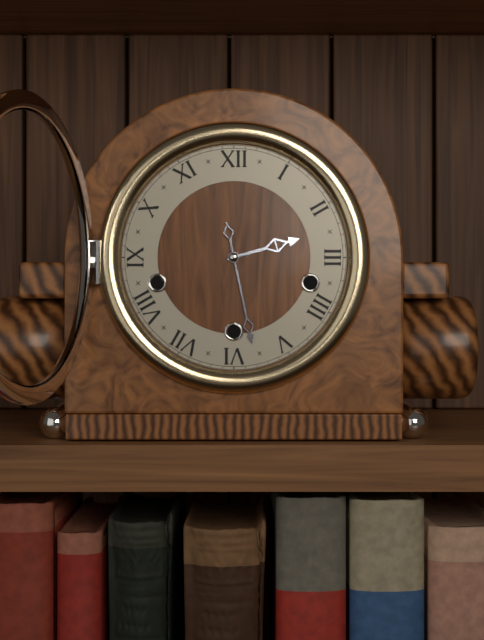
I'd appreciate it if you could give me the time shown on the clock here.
2:28
